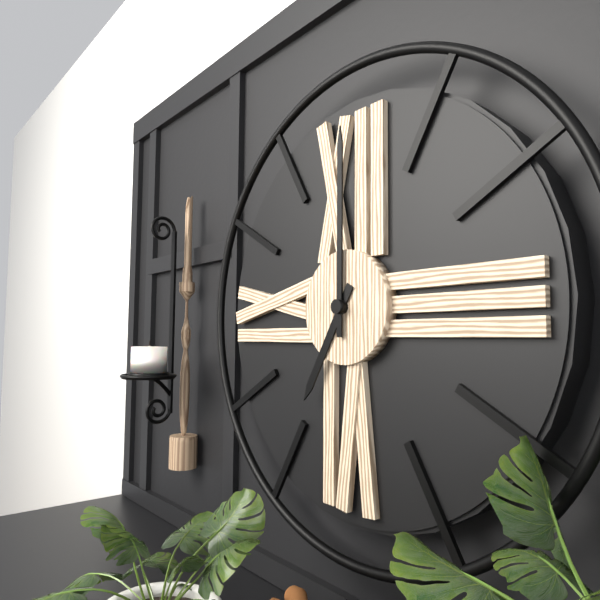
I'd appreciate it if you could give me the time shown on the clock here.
7:00
